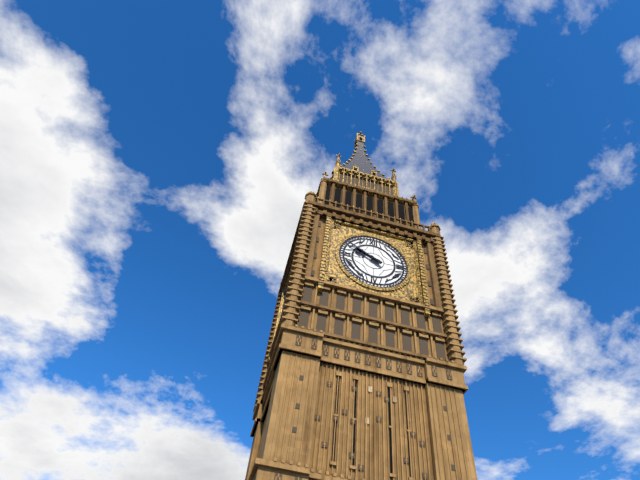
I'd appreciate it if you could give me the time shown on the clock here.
9:50
